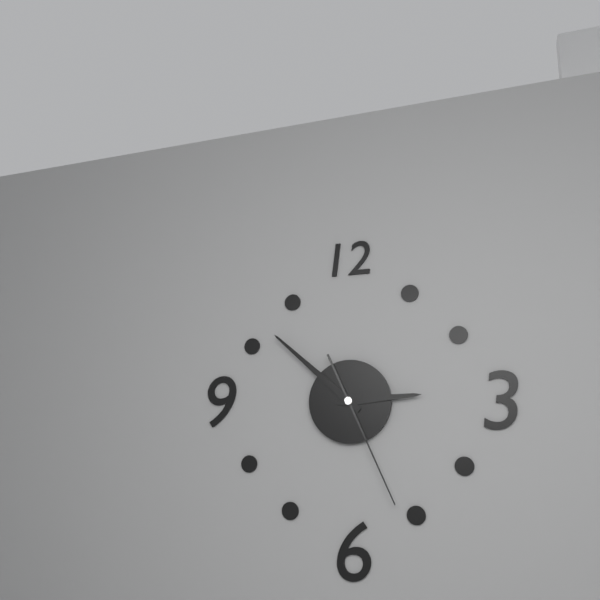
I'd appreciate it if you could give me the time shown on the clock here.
2:52:26
